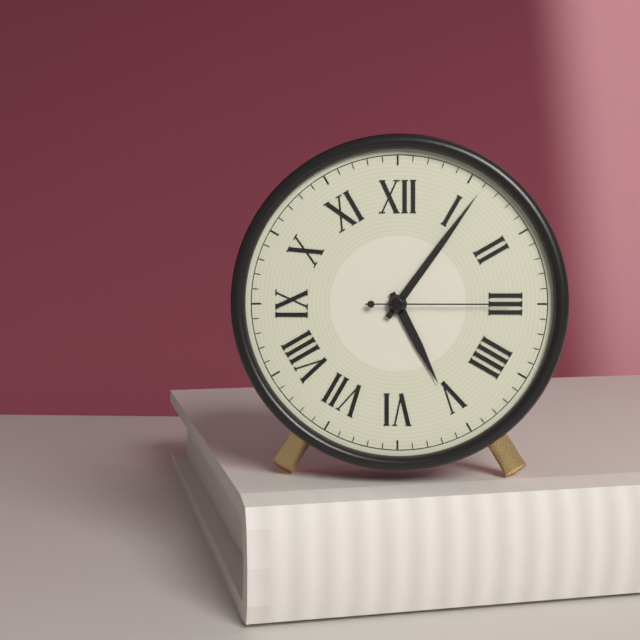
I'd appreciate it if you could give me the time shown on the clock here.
5:06:15
